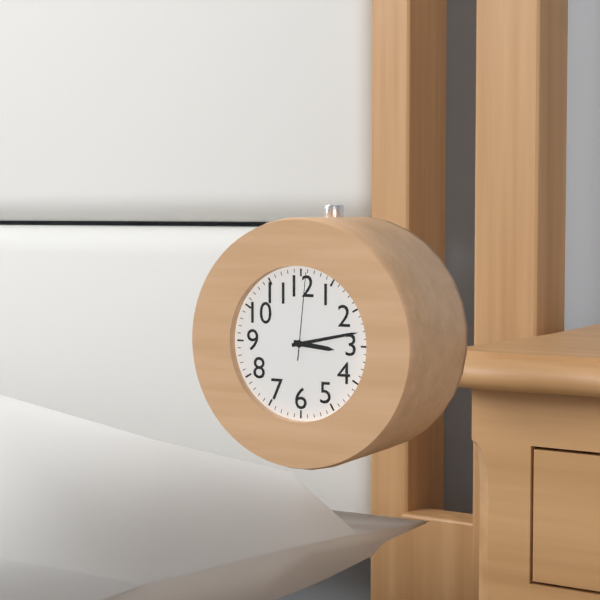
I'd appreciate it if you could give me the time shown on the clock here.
3:13:01
